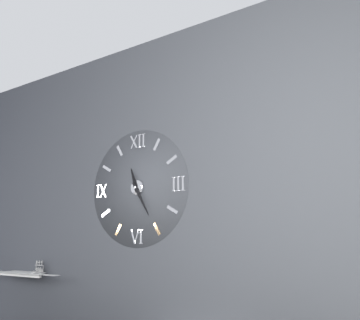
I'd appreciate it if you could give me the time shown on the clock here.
11:25
